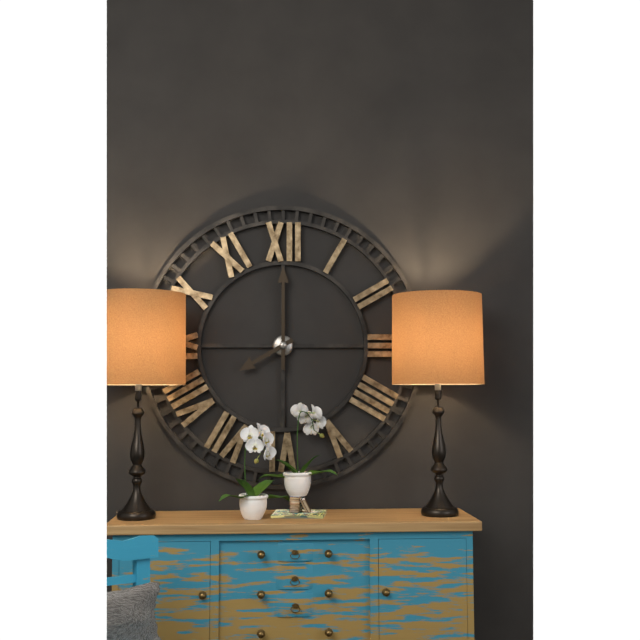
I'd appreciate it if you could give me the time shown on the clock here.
8:00
